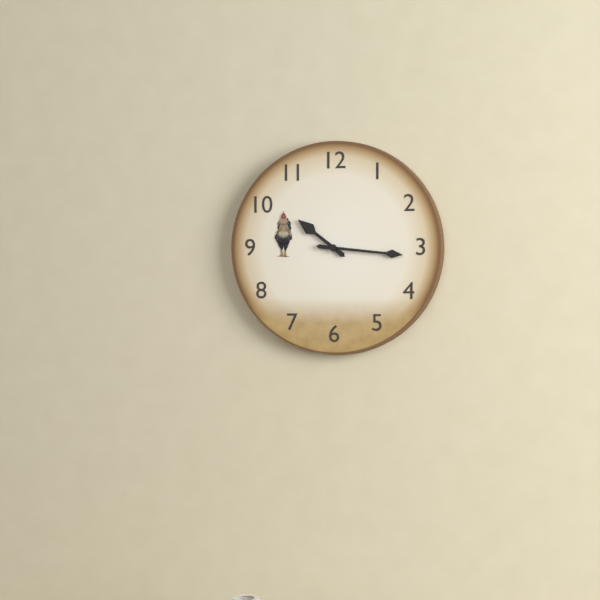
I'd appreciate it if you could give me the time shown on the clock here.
10:16
